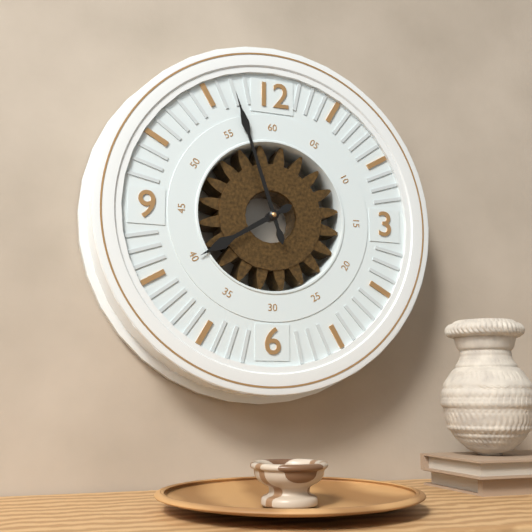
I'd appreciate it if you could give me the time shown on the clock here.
7:57
